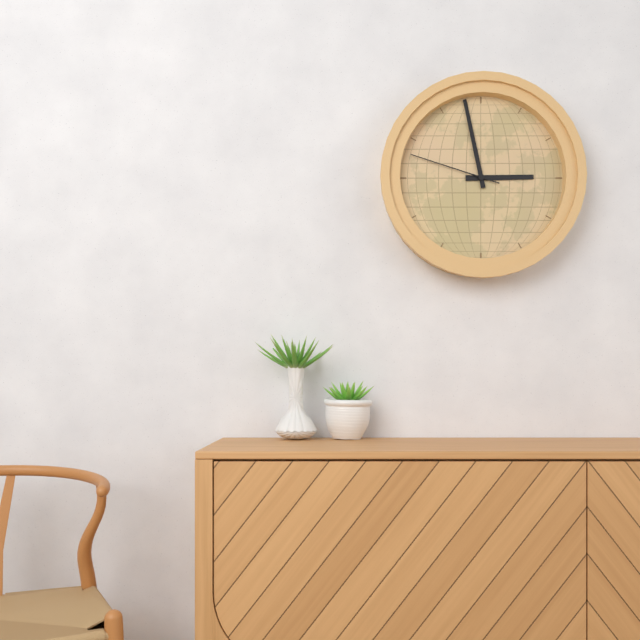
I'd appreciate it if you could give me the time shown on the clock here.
2:58:48
